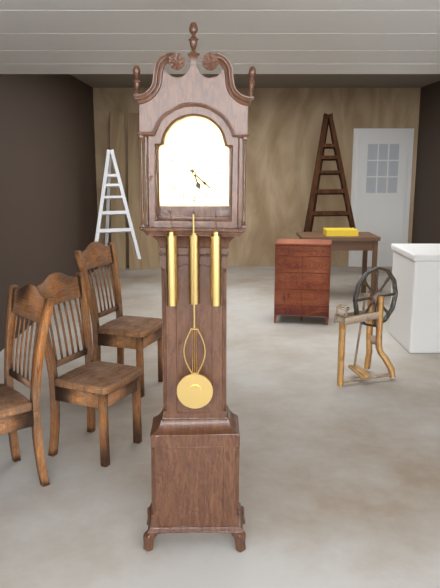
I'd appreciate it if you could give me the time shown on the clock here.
5:22
